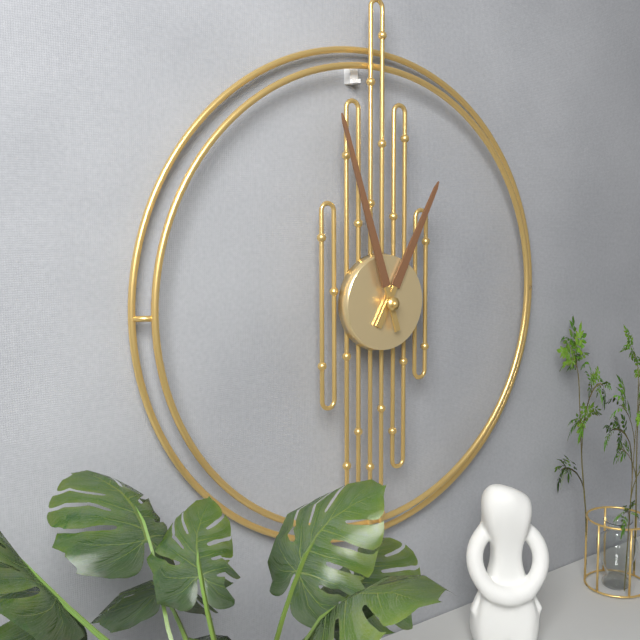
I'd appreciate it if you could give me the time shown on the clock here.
12:57
